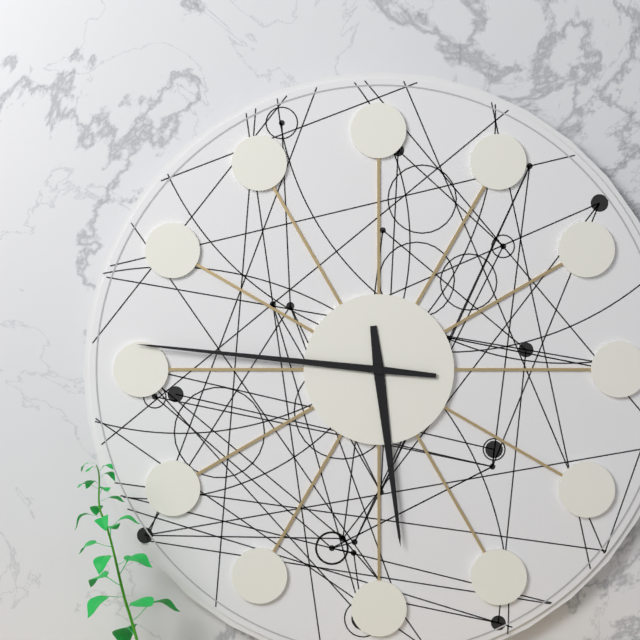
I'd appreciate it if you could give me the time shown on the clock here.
5:46
